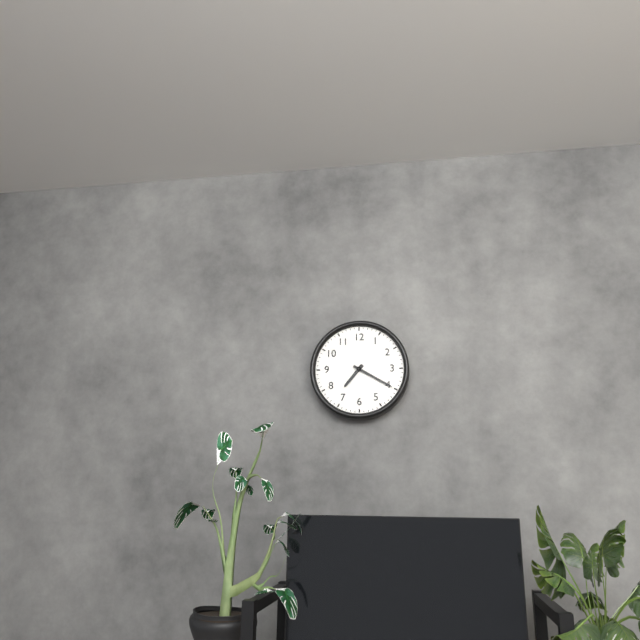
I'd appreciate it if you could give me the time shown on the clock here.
7:20
